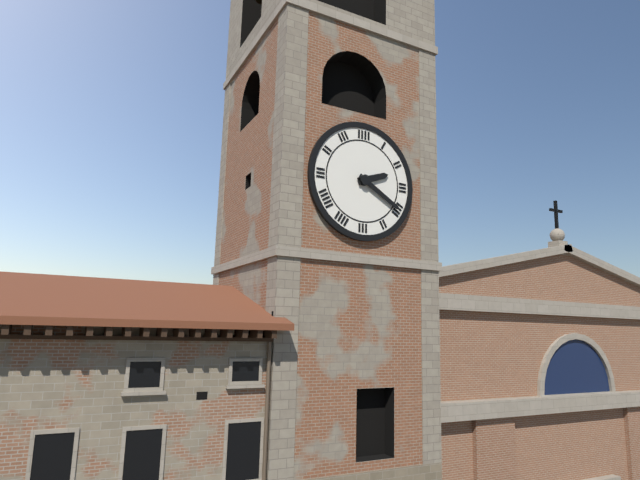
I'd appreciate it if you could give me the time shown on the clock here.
2:20
